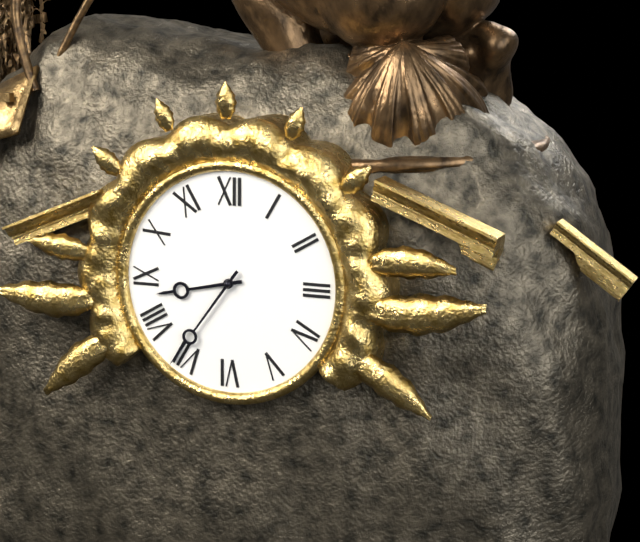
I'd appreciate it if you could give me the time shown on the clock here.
8:36
